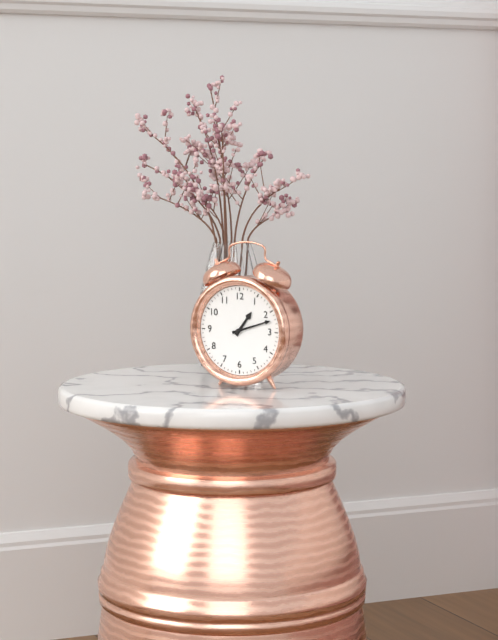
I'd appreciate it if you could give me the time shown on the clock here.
1:12
